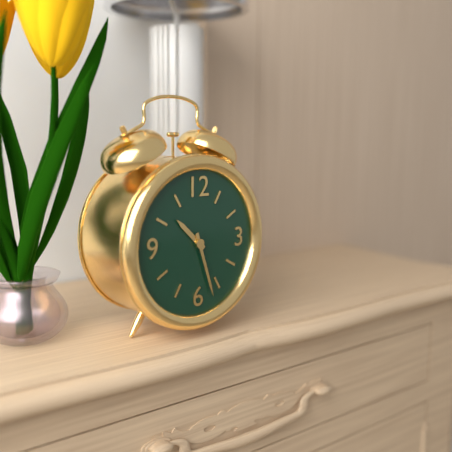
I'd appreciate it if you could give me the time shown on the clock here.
10:27
